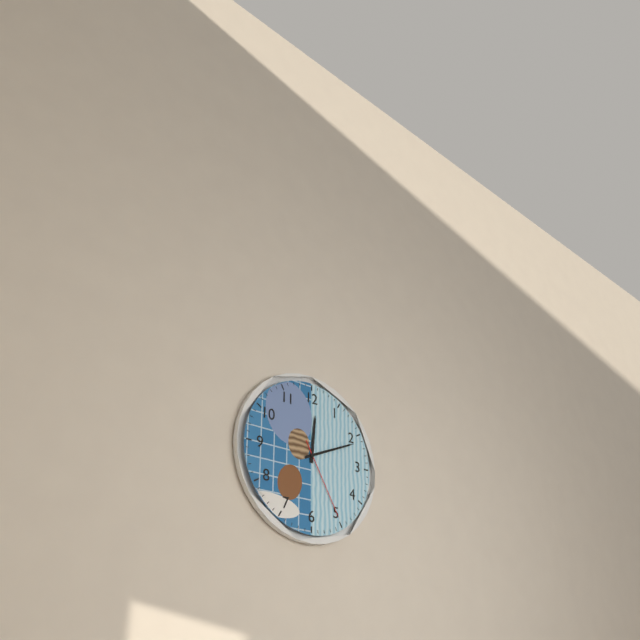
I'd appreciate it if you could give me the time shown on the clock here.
12:11:25
